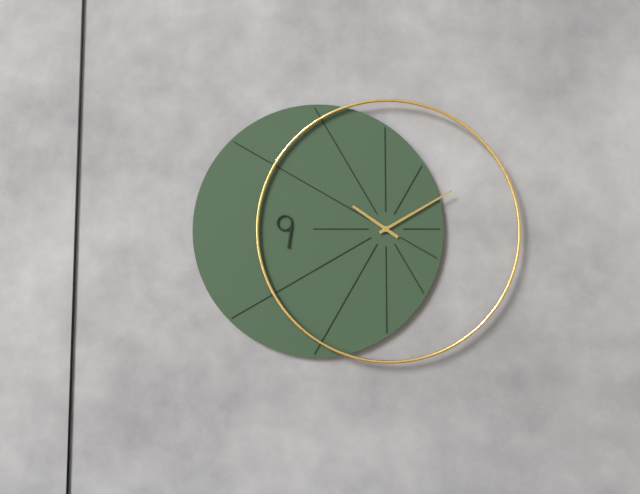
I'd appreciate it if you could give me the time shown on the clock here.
10:10
